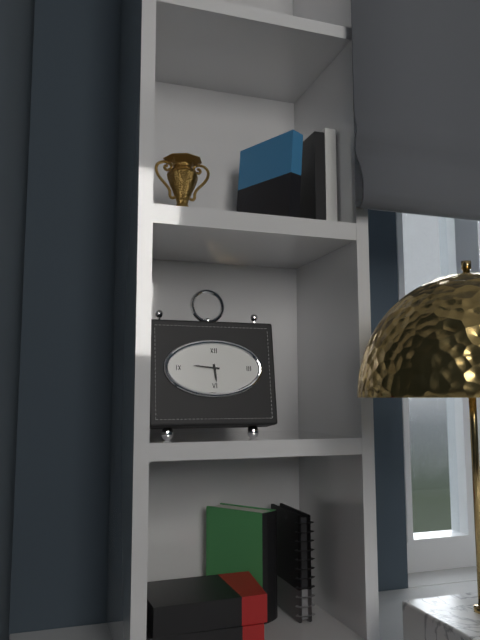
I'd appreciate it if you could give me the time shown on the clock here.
5:46
